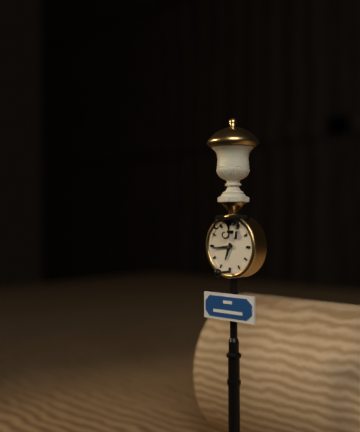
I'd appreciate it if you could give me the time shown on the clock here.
6:44
